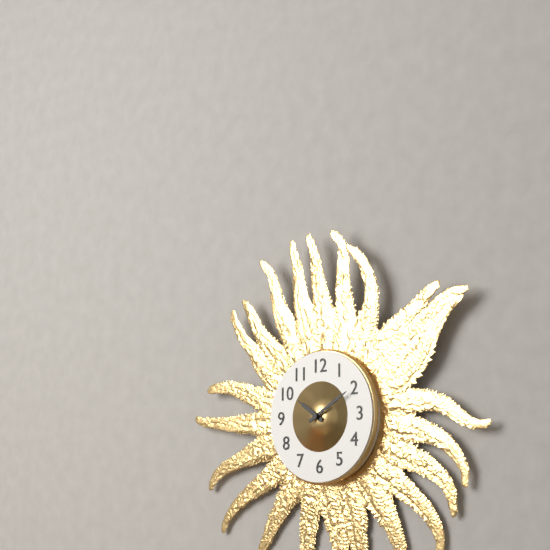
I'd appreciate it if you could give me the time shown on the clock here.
10:10
